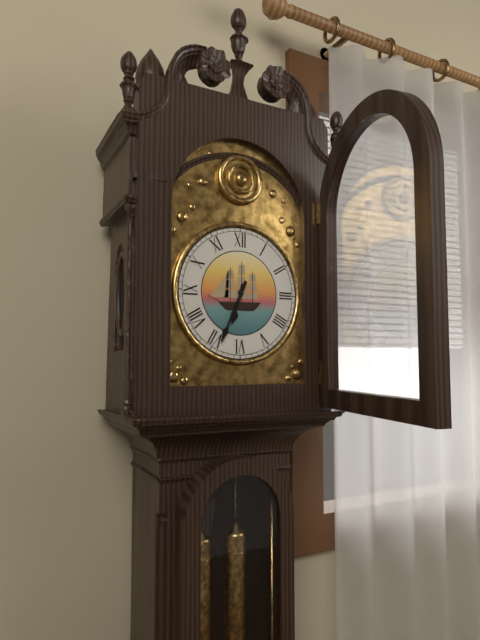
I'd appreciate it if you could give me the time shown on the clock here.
6:34
